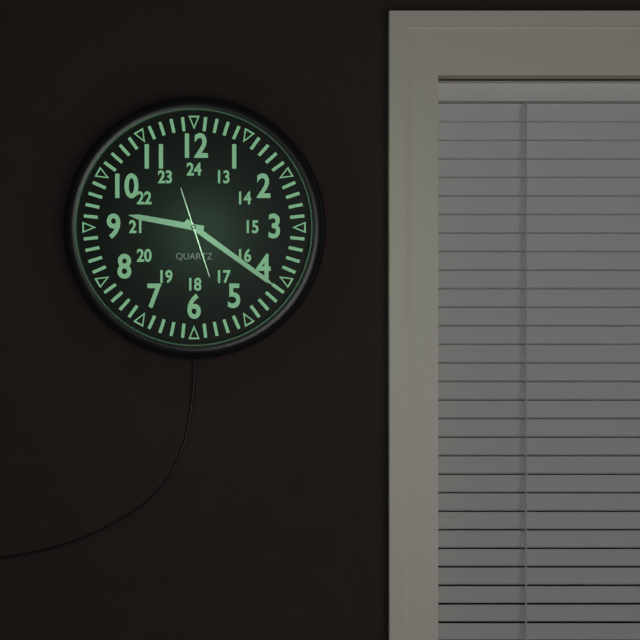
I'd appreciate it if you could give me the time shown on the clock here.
9:21:27
